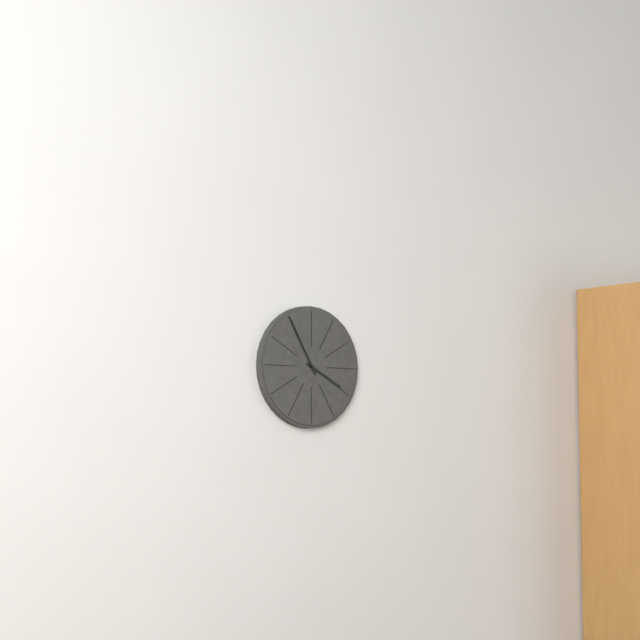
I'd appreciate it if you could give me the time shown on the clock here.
3:55
